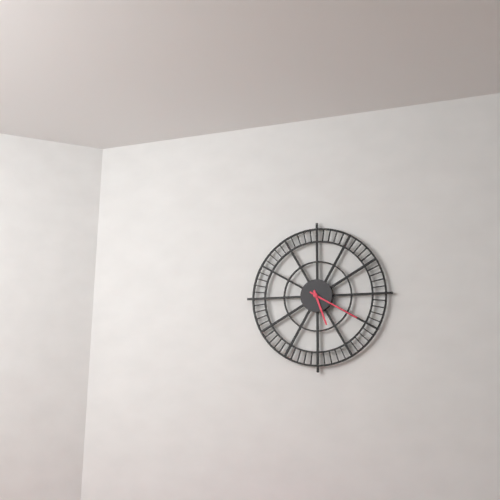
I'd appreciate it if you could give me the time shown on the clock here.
5:20
